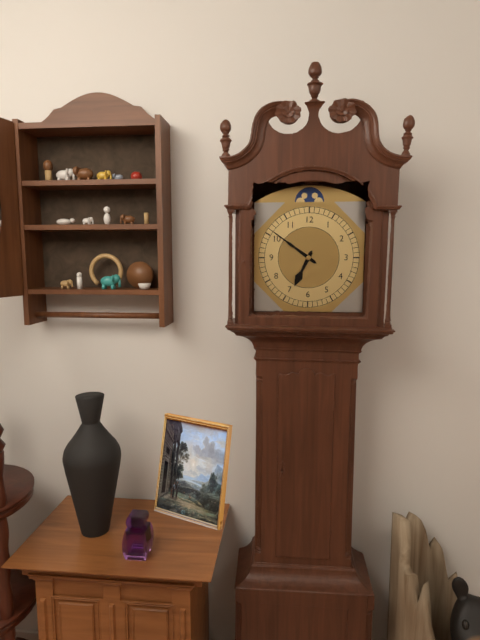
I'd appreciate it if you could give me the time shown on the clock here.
6:51
